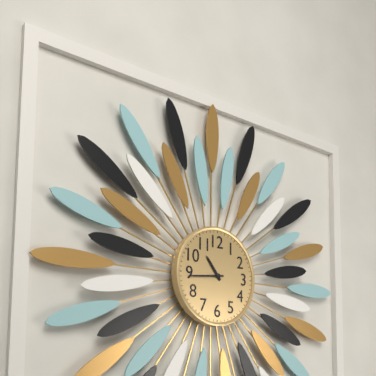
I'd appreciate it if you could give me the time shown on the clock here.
10:44
